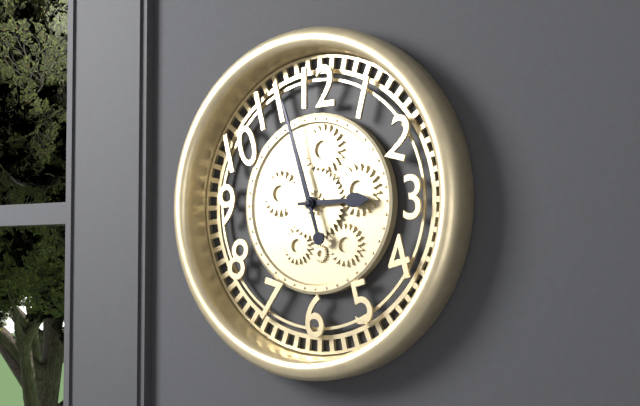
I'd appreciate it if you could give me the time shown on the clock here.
2:57
